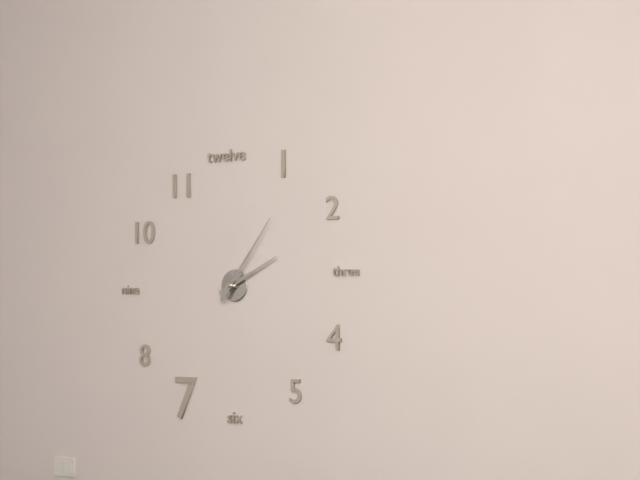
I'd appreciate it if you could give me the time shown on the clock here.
2:06
